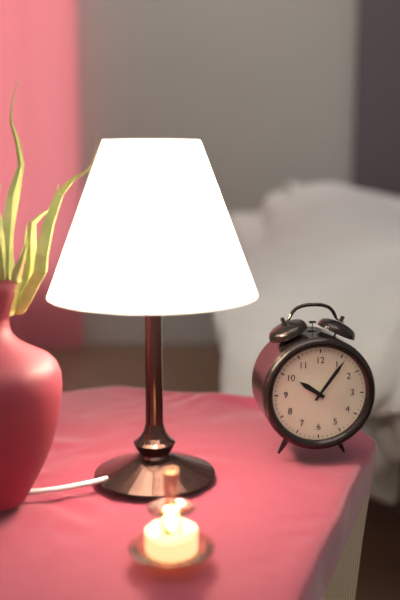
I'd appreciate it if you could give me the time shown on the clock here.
10:06
